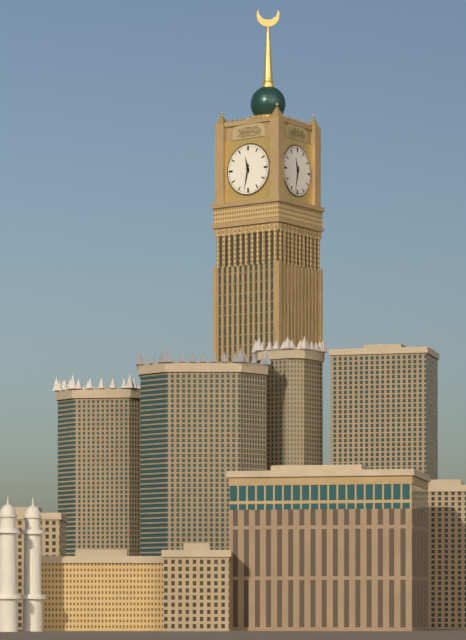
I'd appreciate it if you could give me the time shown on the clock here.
11:32
